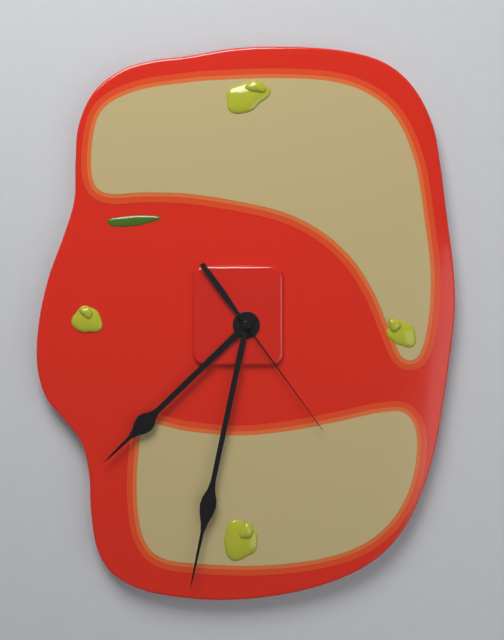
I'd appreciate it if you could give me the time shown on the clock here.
7:32:24
